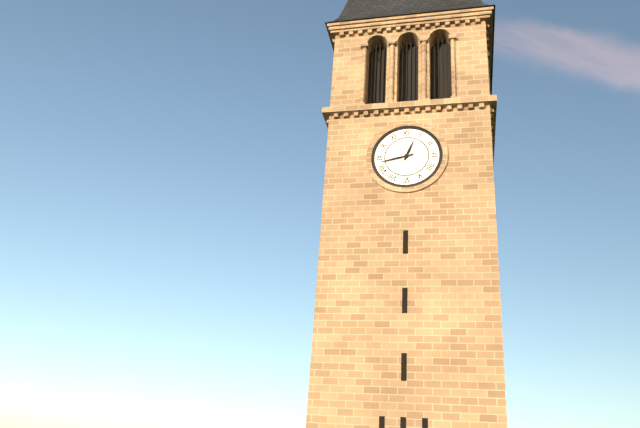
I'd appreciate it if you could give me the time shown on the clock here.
12:43
